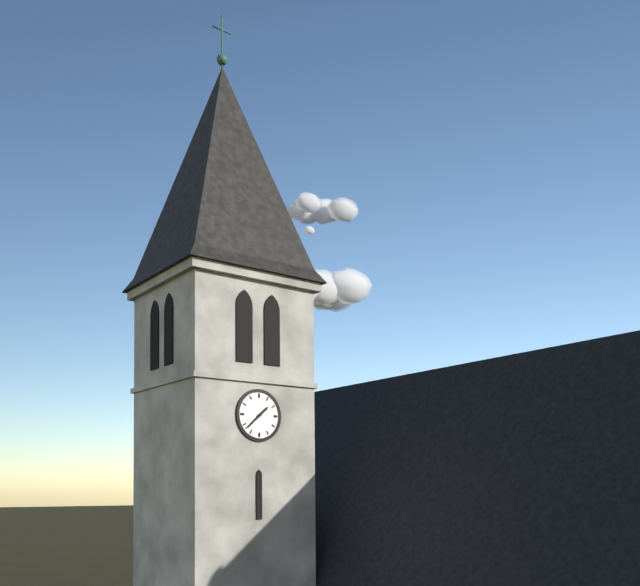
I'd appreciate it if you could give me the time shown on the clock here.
1:38
